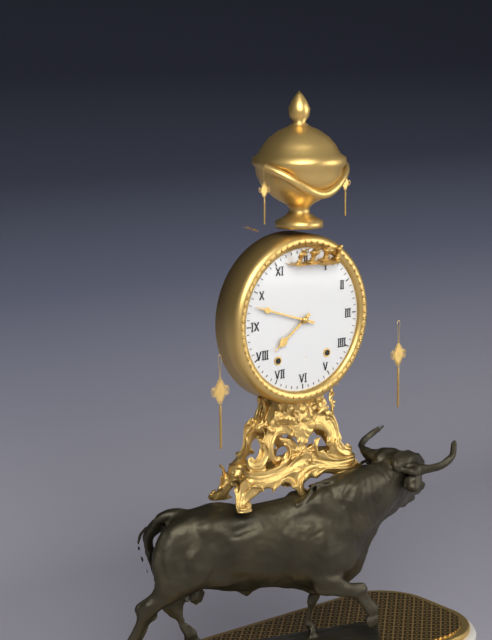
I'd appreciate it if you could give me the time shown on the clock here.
7:48
